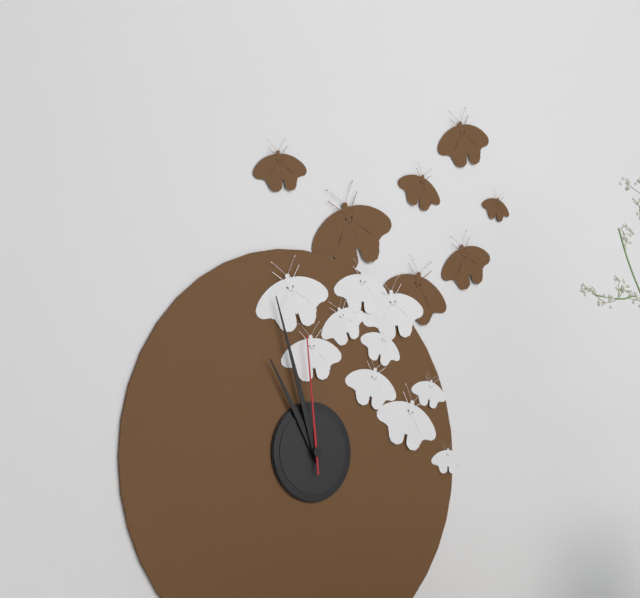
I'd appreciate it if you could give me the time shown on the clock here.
10:57:59
